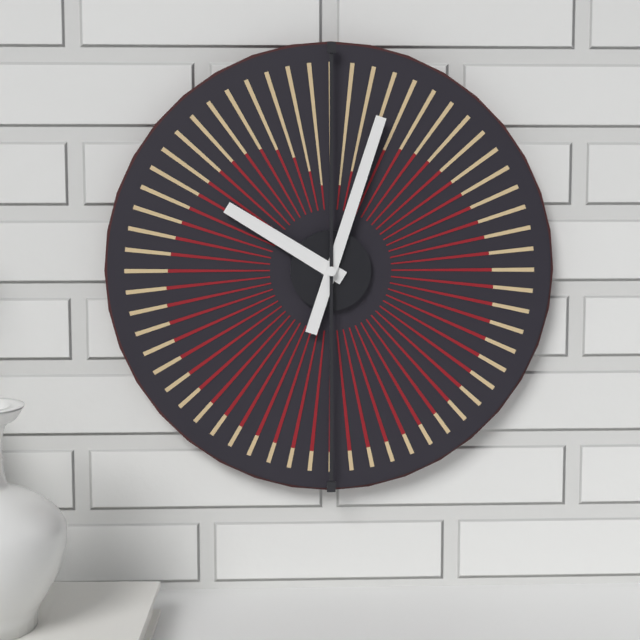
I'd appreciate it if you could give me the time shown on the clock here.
10:03
